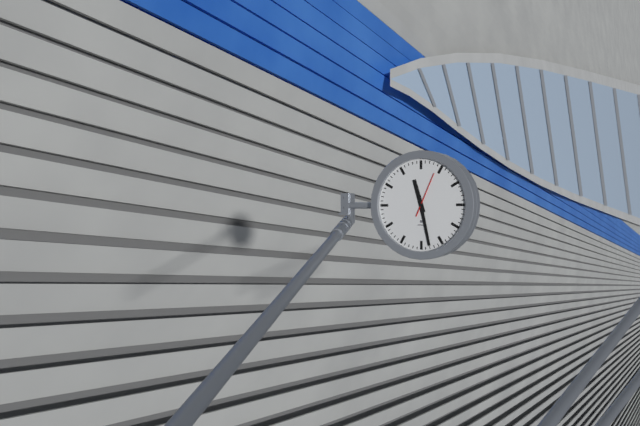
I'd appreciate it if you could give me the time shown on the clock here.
11:28
